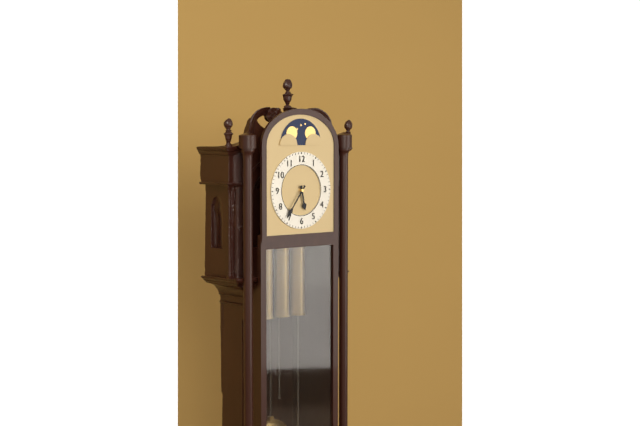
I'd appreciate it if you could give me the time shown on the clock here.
5:36
